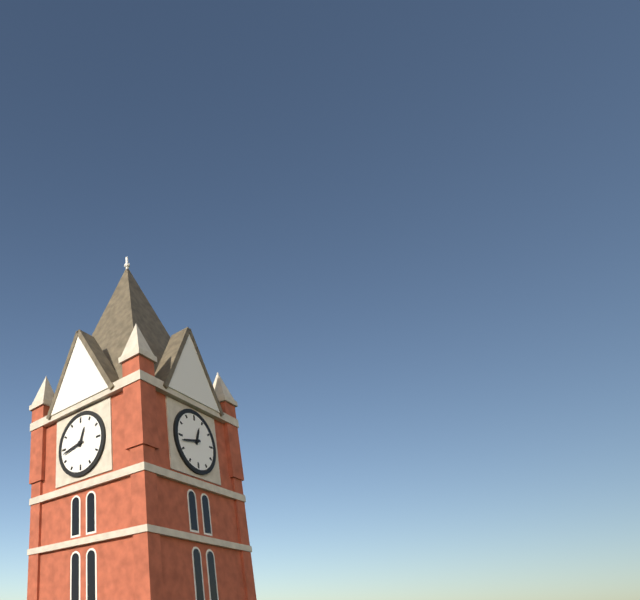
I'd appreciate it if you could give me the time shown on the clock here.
12:43
